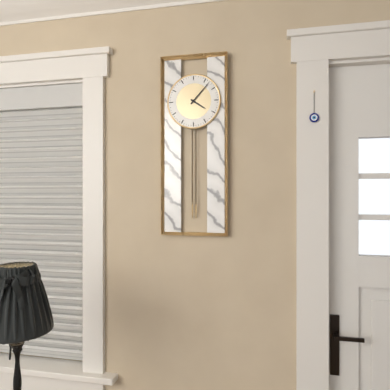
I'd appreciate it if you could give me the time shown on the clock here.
4:07
